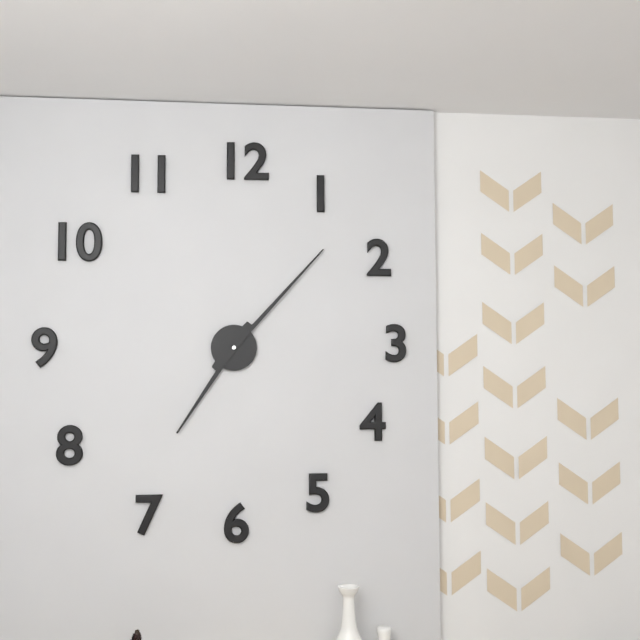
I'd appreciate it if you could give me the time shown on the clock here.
7:07
